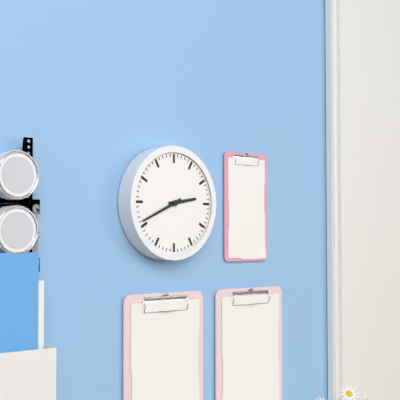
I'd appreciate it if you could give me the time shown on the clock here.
2:41
